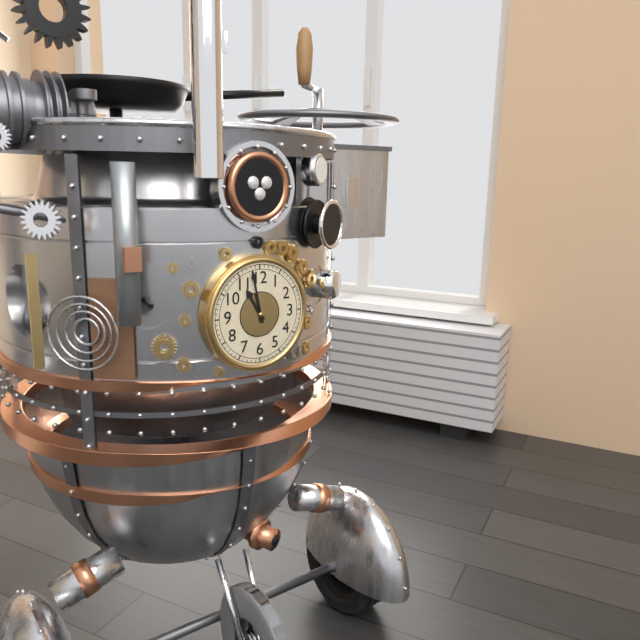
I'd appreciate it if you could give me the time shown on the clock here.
10:58
